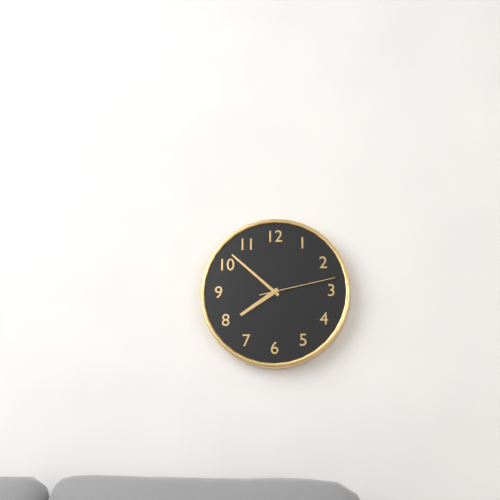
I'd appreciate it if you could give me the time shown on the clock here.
7:52:13
